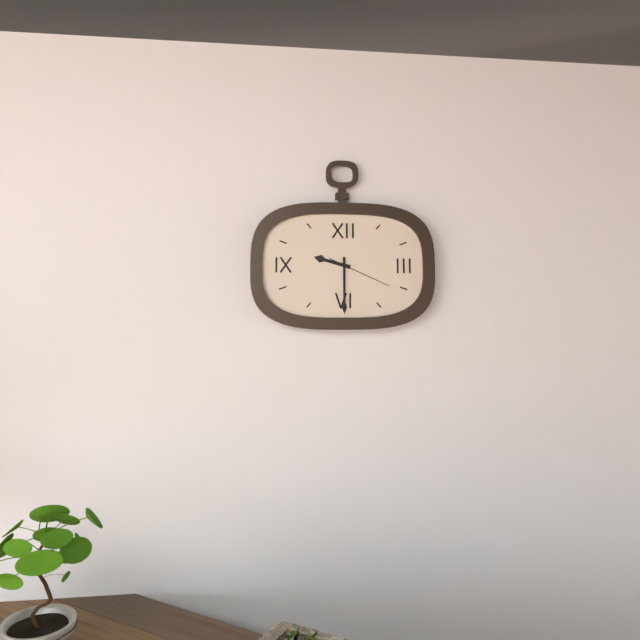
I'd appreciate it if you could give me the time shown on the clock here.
9:30:19
